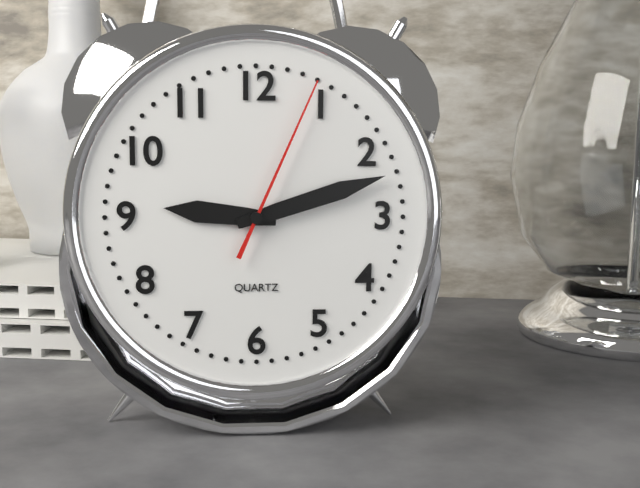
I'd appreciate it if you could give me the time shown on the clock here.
9:12:04
